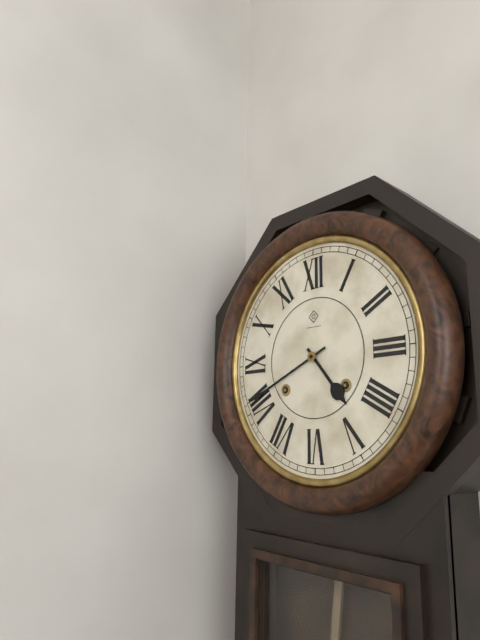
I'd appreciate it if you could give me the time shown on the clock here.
4:41
